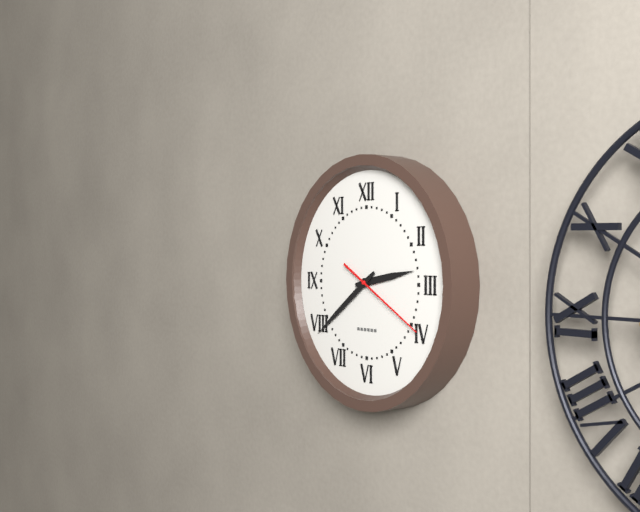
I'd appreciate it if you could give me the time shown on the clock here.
2:39:20
